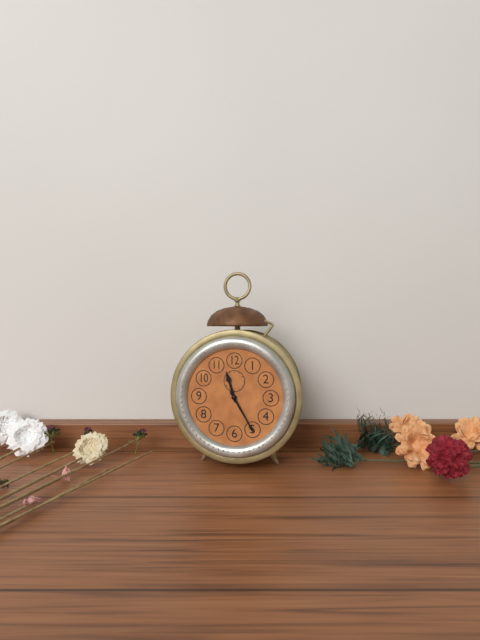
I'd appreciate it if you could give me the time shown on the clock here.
11:25
